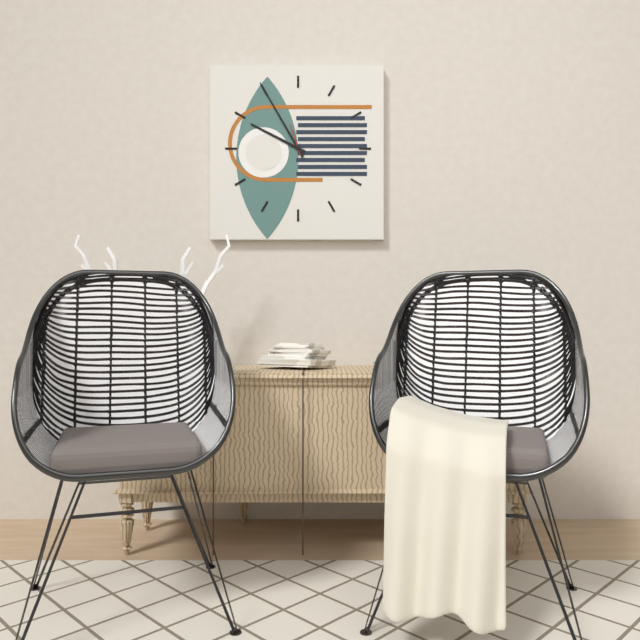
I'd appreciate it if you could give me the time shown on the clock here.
9:55
